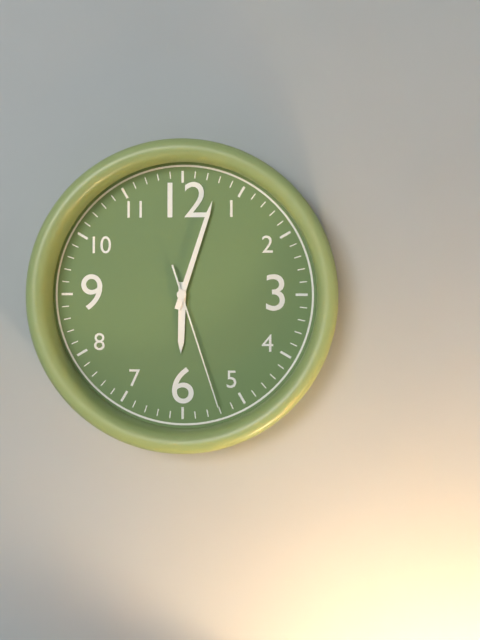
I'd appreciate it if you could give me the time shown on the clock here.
6:03:27
